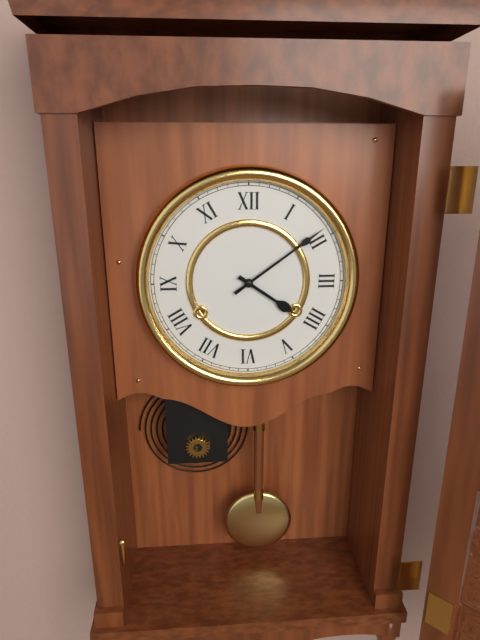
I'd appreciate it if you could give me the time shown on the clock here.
4:09
